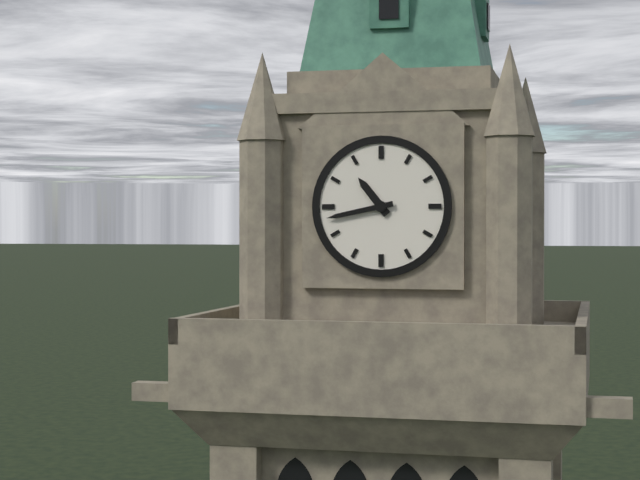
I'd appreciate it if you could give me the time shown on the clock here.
10:43
